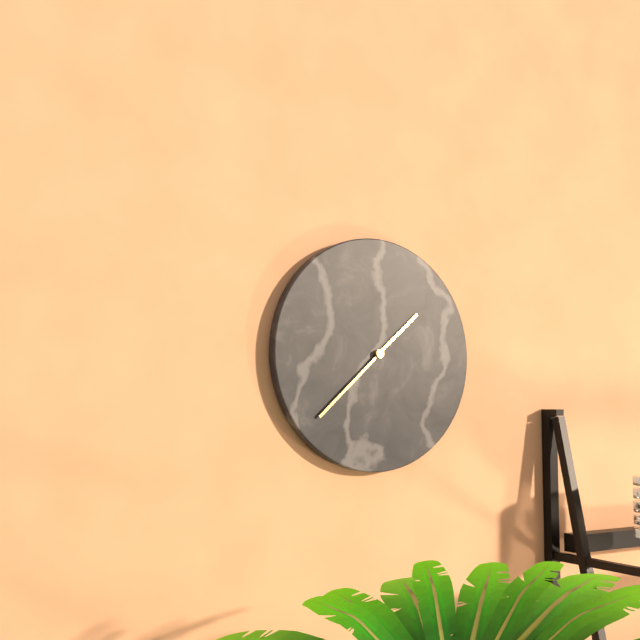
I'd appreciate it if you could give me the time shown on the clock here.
1:38
